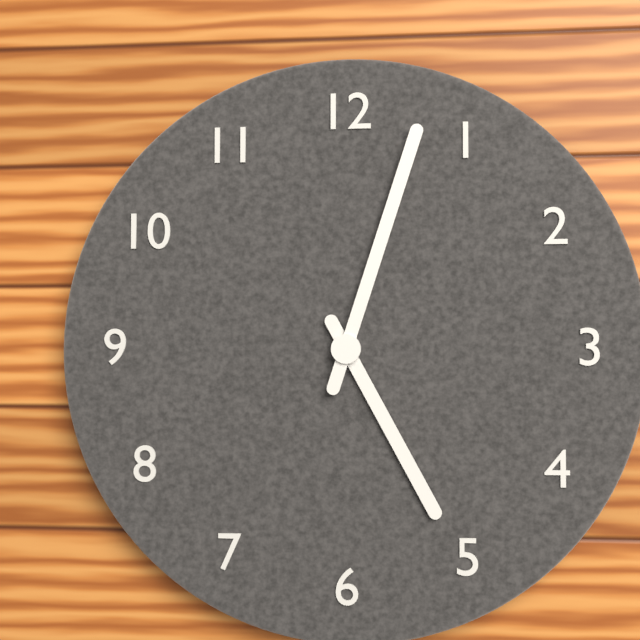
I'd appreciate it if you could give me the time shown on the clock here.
5:03
